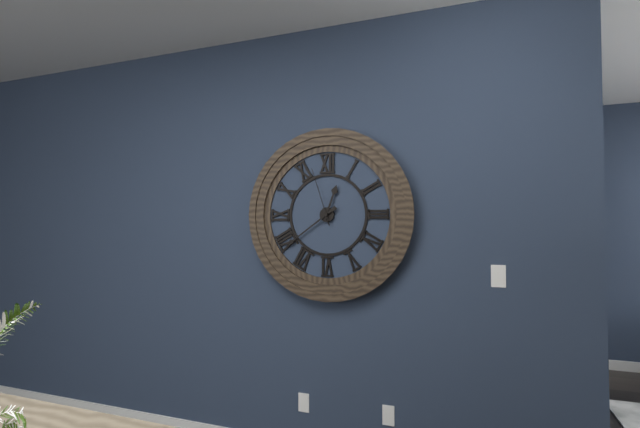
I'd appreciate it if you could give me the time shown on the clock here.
12:39:57
